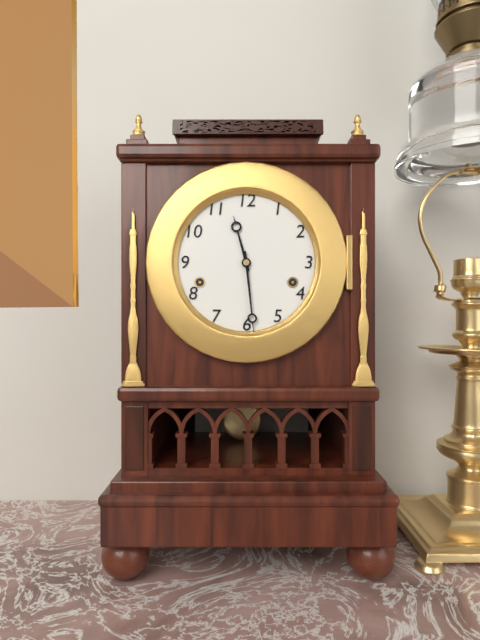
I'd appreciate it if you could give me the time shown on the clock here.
11:29
